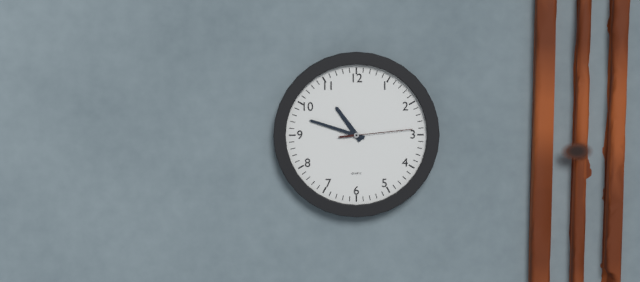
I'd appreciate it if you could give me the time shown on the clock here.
10:48:14
